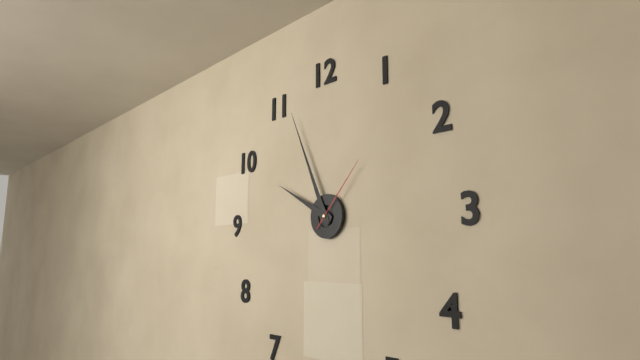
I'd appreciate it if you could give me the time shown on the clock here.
9:56:07
